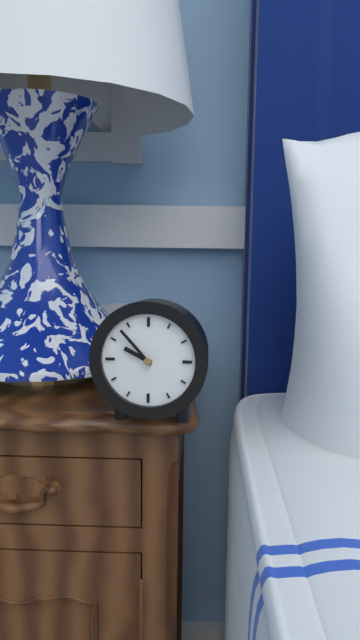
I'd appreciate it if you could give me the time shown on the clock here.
9:53
